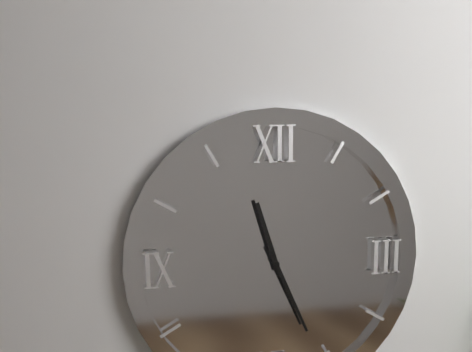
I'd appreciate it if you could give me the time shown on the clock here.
11:26
